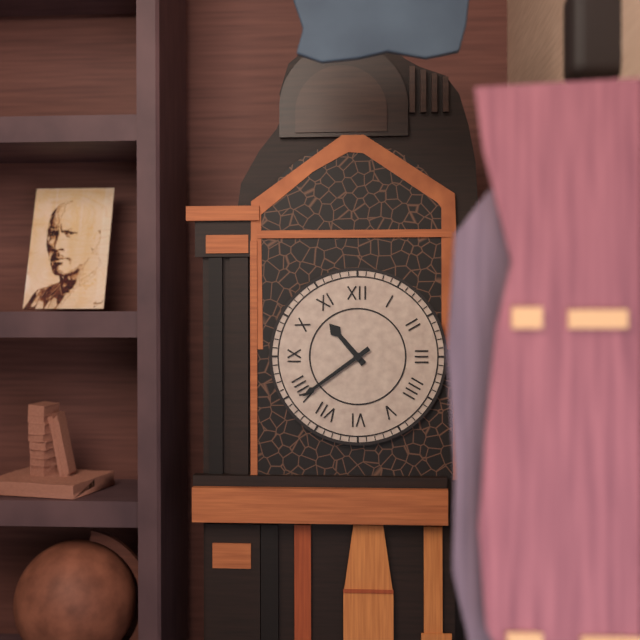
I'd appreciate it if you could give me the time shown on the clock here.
10:39
